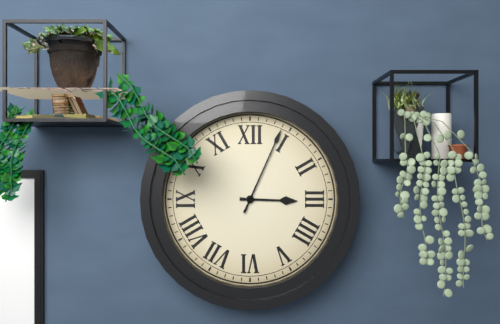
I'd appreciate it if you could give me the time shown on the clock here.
3:04
